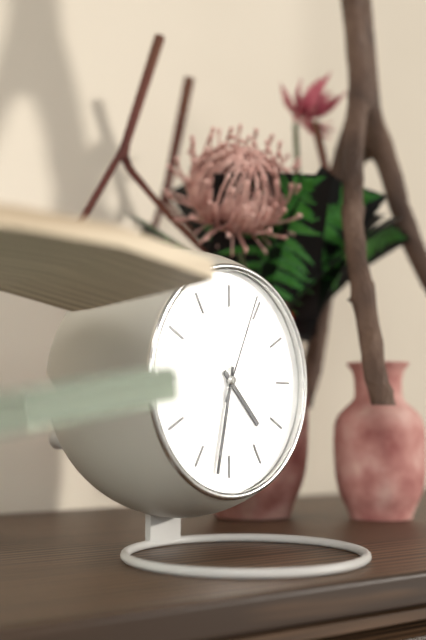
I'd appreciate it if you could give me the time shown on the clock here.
4:32:04
